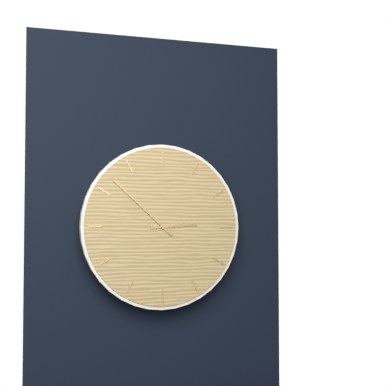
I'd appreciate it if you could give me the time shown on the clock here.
2:52
